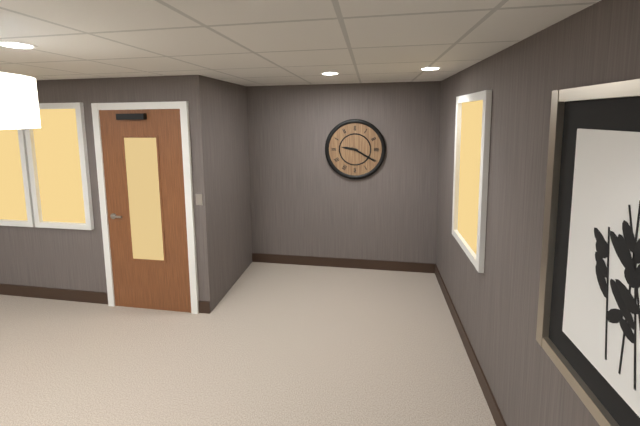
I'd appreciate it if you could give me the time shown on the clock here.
9:20
